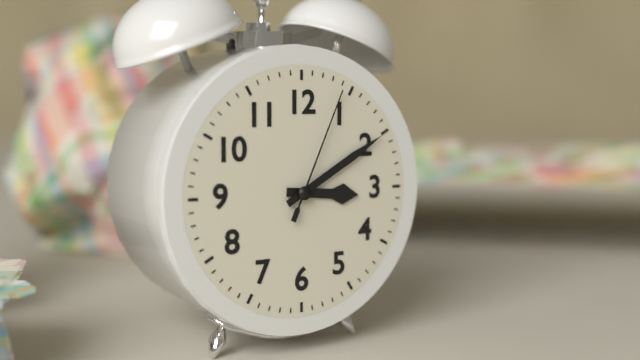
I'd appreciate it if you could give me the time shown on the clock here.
3:10:04
